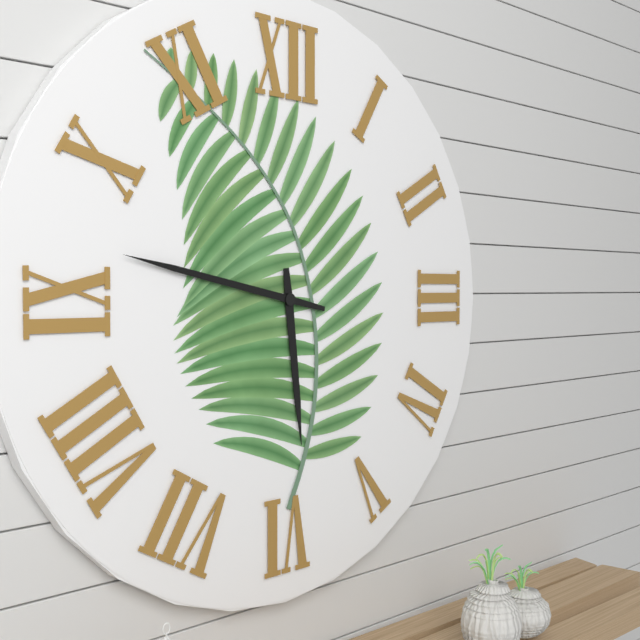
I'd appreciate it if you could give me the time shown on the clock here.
5:47
